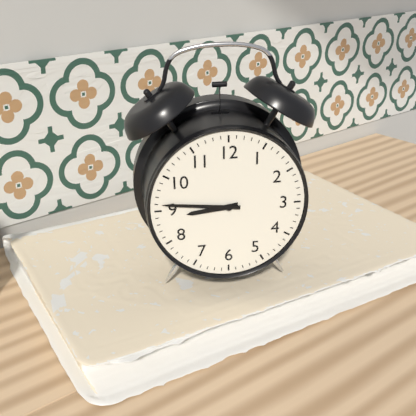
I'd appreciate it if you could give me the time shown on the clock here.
8:46
